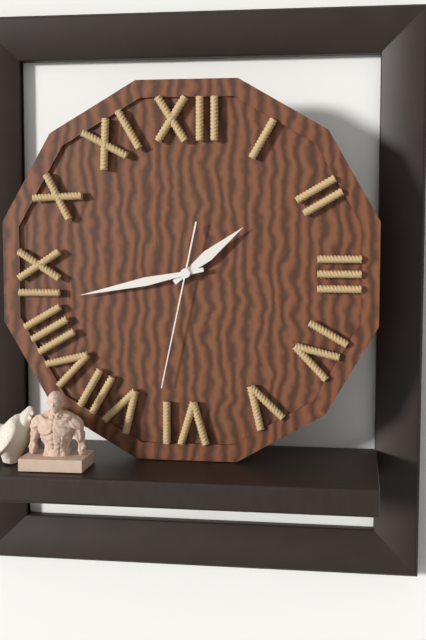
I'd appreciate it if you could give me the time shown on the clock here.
1:43:32
